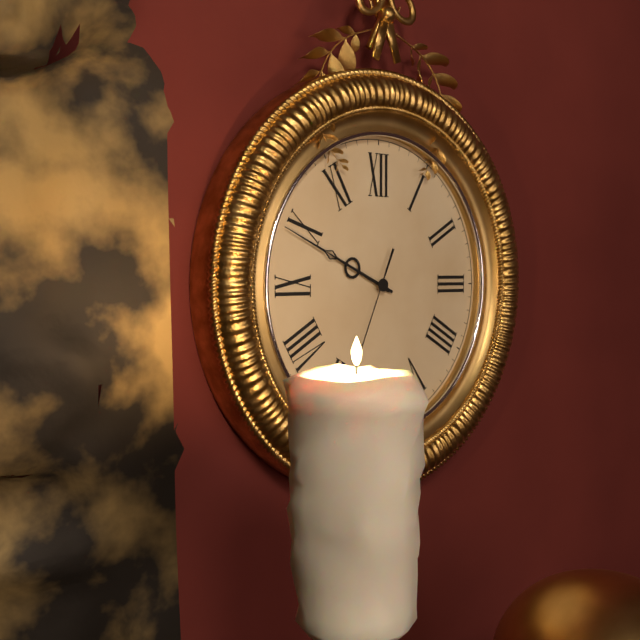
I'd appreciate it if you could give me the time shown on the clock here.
9:49
